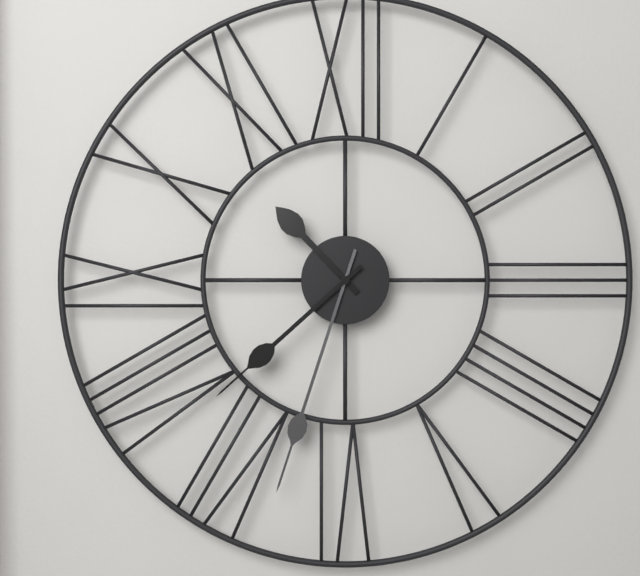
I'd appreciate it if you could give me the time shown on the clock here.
10:33:38
